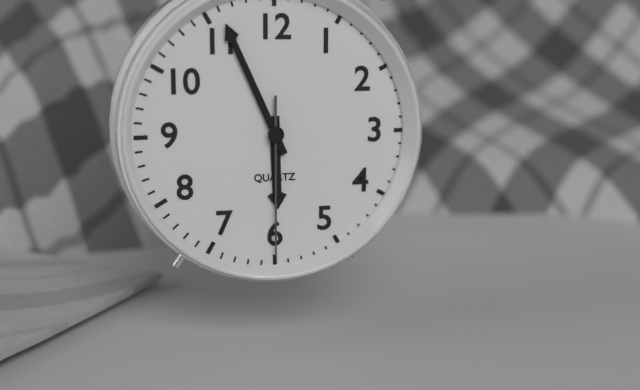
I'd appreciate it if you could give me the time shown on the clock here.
5:56:30
